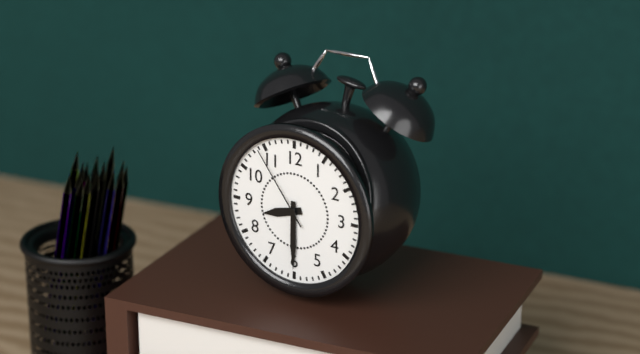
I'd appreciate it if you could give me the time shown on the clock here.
8:30:54
